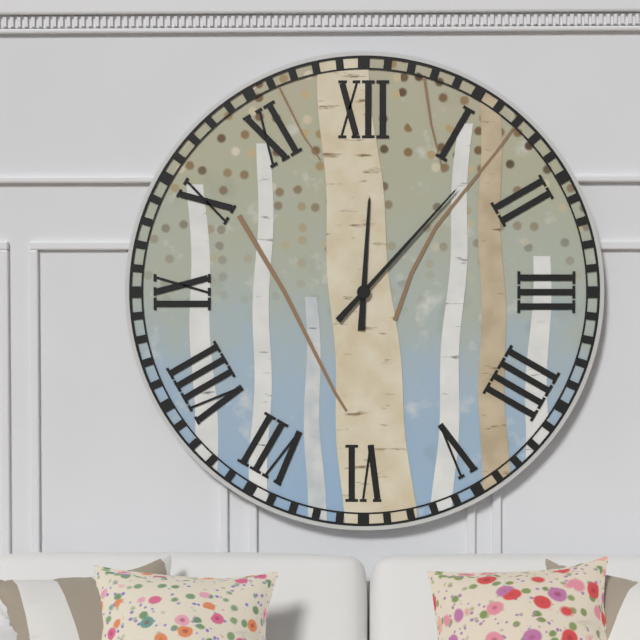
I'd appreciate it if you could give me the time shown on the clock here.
12:07
